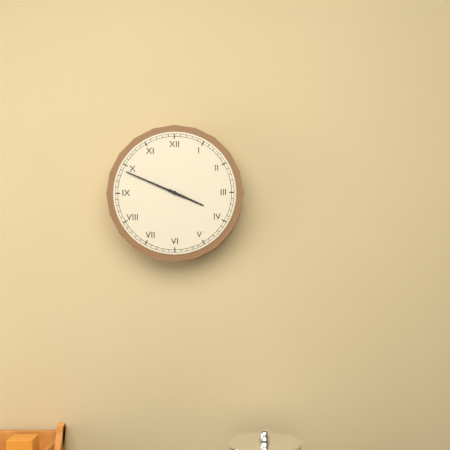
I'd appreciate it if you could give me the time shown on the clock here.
3:49
